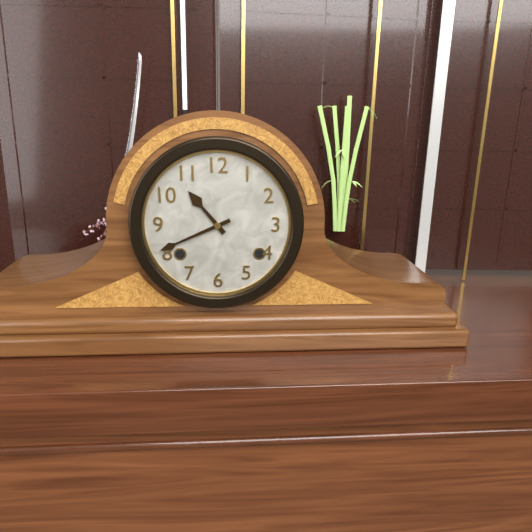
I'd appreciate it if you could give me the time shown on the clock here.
10:41
